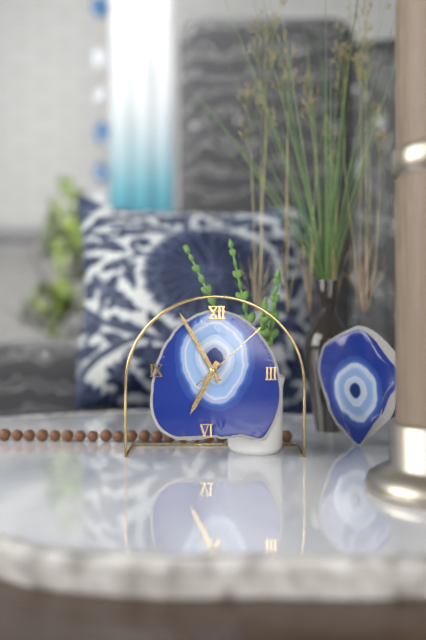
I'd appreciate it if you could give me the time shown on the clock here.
6:55:08
